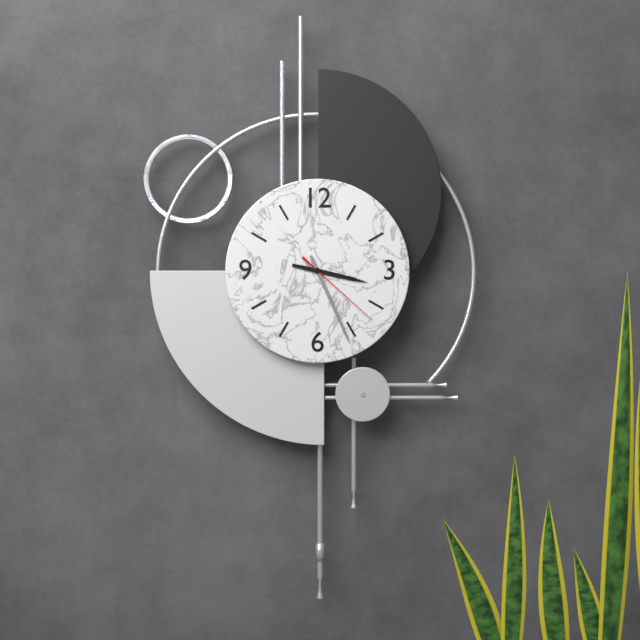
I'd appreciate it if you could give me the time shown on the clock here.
3:26:22
